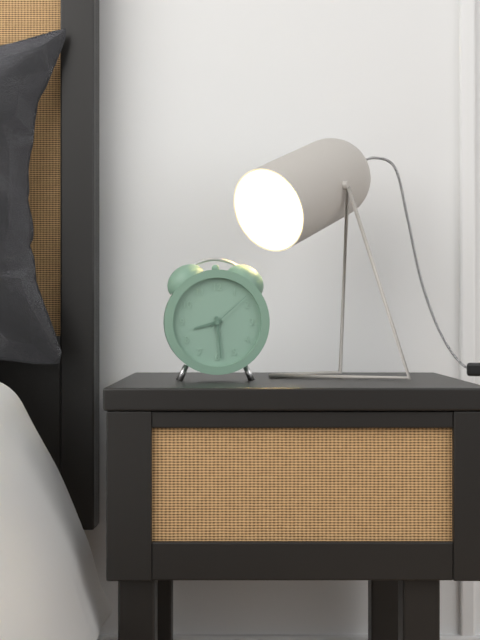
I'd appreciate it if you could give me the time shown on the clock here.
8:29
